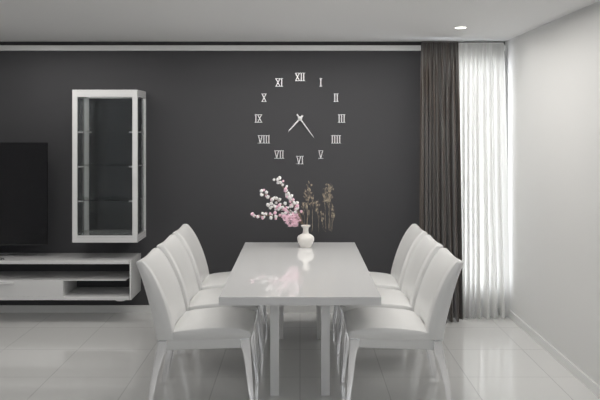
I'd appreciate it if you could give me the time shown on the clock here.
7:24
